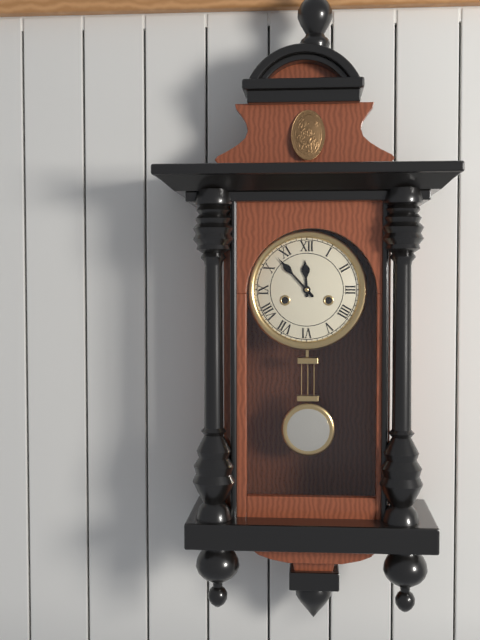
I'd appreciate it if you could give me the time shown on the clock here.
11:53
